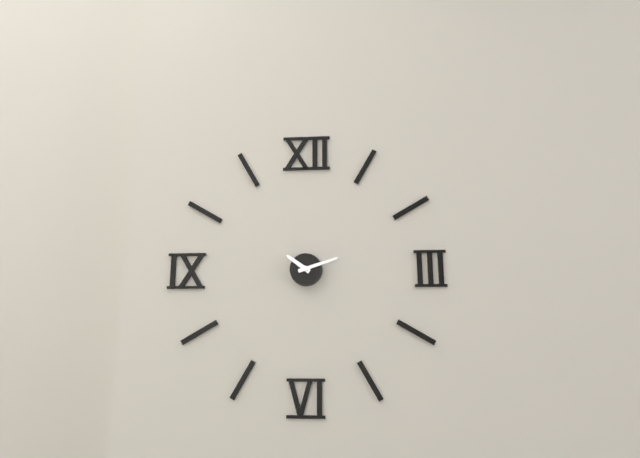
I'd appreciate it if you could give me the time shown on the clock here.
10:12
